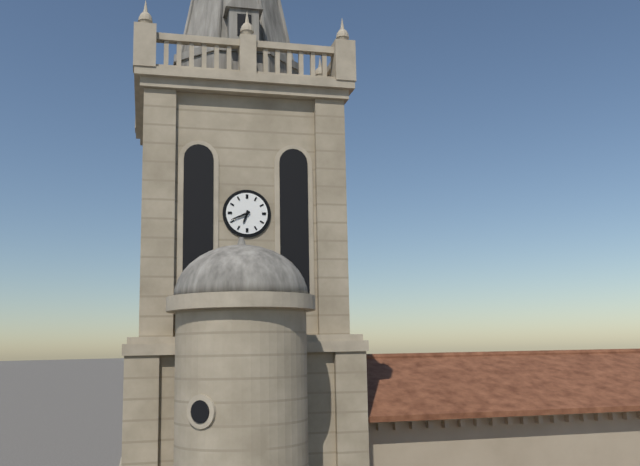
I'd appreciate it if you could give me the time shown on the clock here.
6:41
